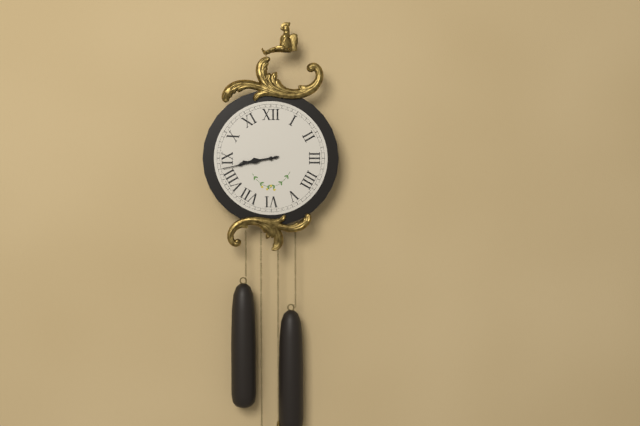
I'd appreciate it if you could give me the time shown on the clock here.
8:43
